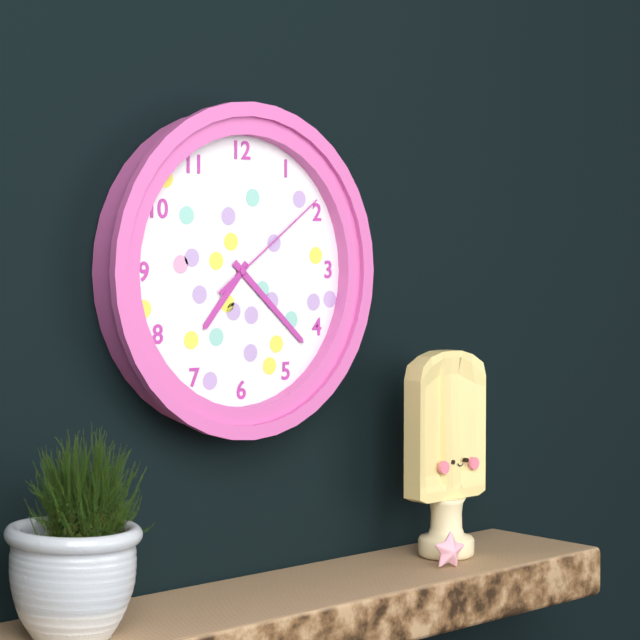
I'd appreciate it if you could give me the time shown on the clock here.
7:22:09
